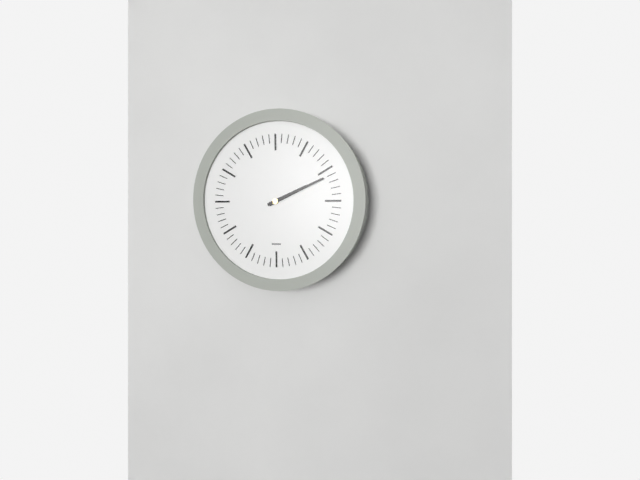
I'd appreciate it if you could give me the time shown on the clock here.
2:11
